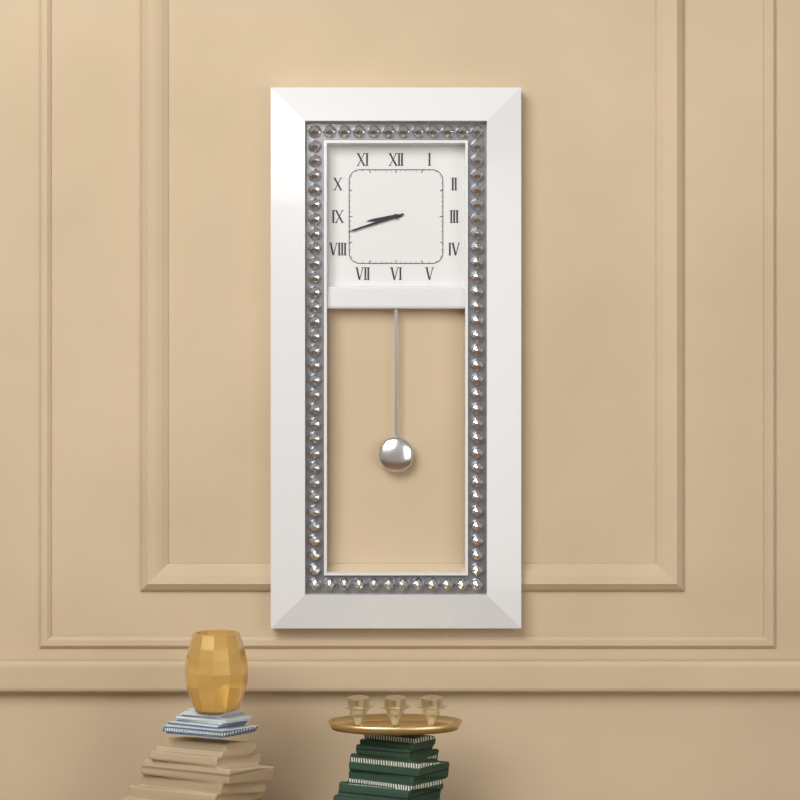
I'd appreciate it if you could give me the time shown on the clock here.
8:42
